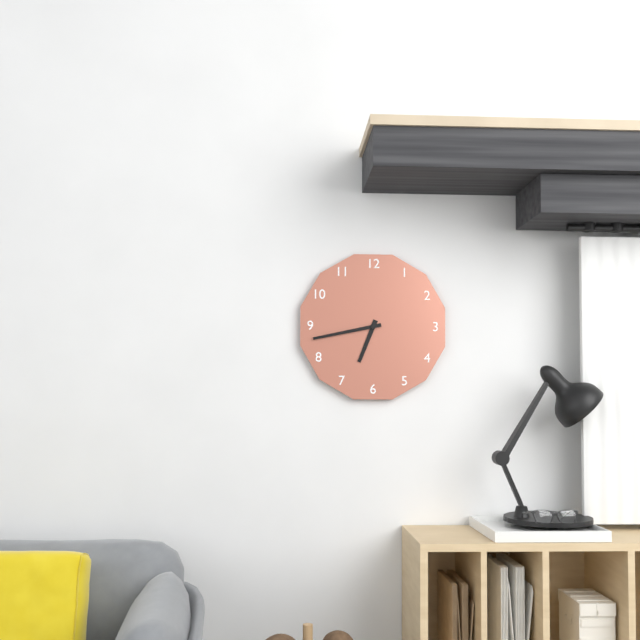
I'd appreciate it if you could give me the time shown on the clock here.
6:43
